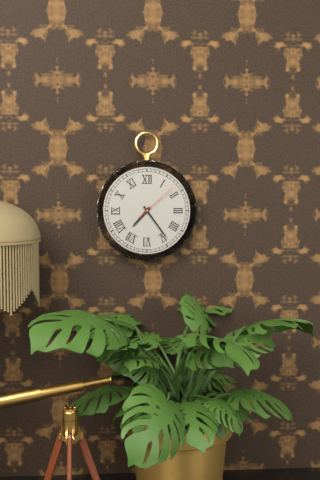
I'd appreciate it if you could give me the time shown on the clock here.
7:24
